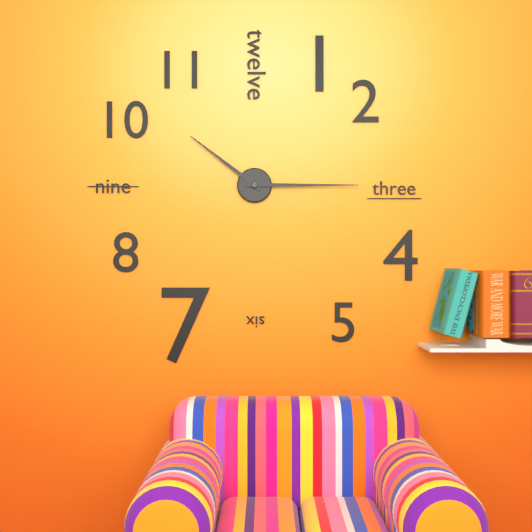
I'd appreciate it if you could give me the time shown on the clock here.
10:15
